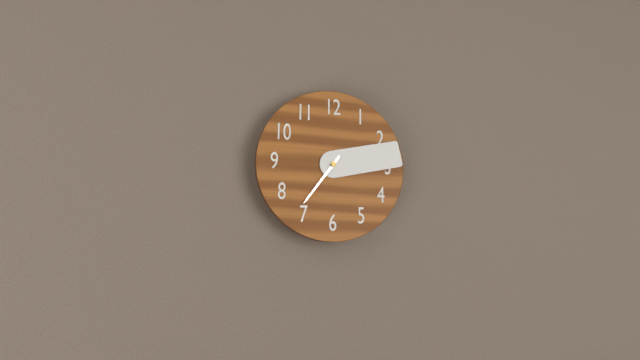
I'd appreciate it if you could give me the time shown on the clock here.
7:13
